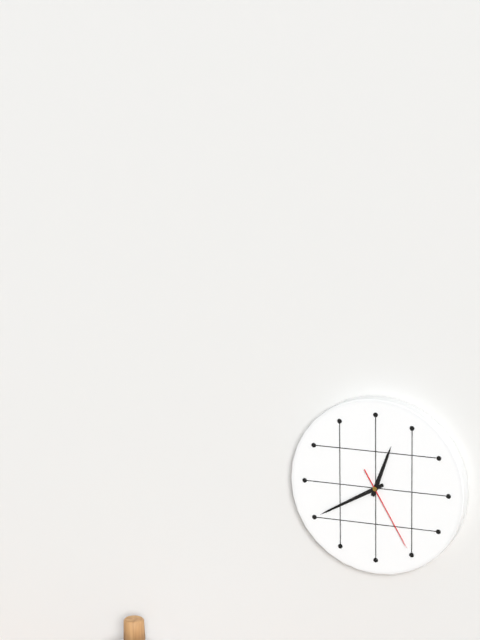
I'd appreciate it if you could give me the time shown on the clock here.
12:40:25
